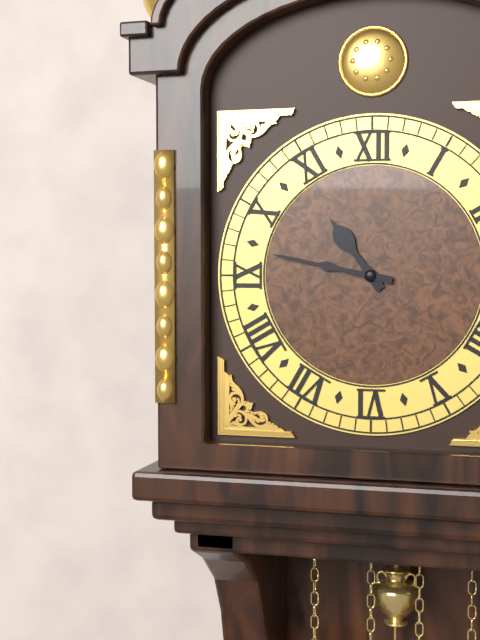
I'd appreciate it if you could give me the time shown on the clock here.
10:47
